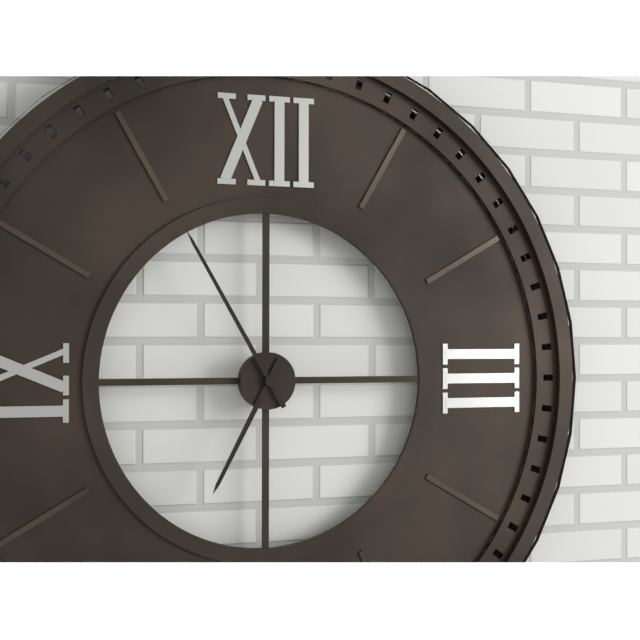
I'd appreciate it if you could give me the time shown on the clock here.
6:55
